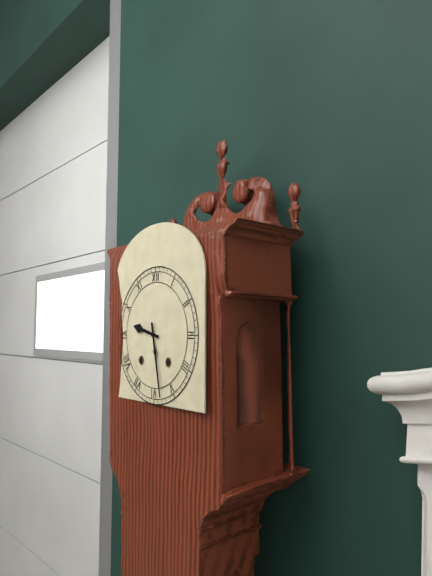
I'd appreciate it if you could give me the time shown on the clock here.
9:28
